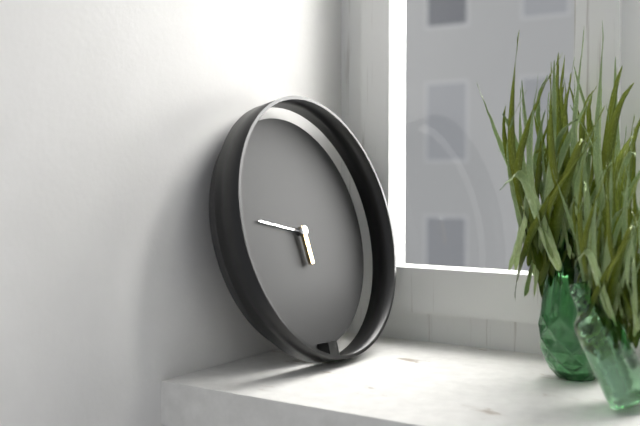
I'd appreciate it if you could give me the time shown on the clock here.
5:47
